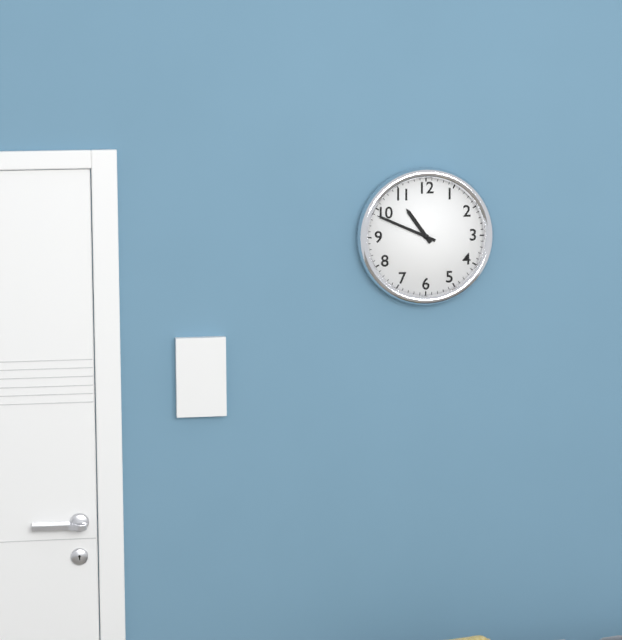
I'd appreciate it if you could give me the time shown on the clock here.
10:49
